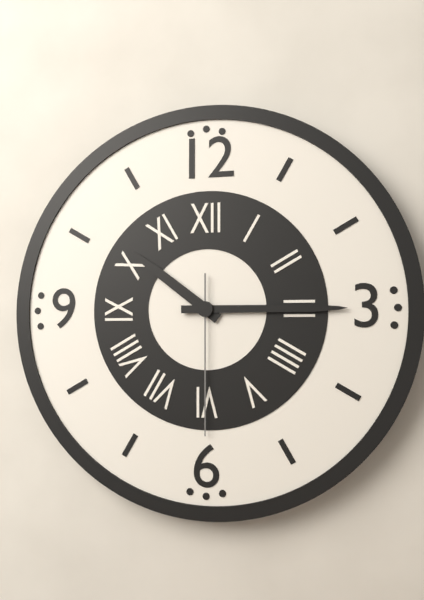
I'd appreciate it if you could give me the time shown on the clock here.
10:15:30
